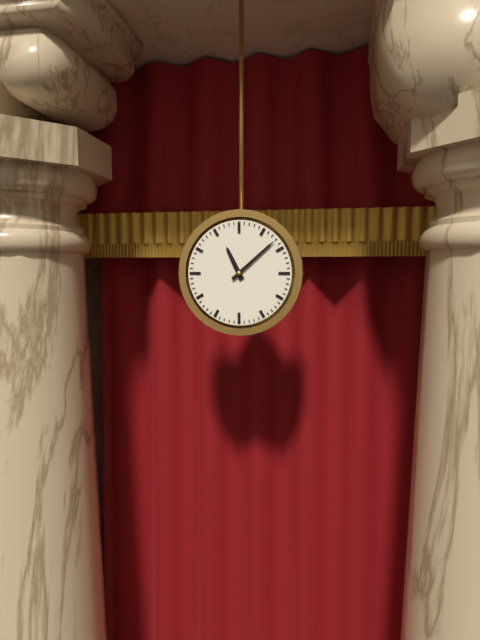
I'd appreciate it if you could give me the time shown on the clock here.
11:08
